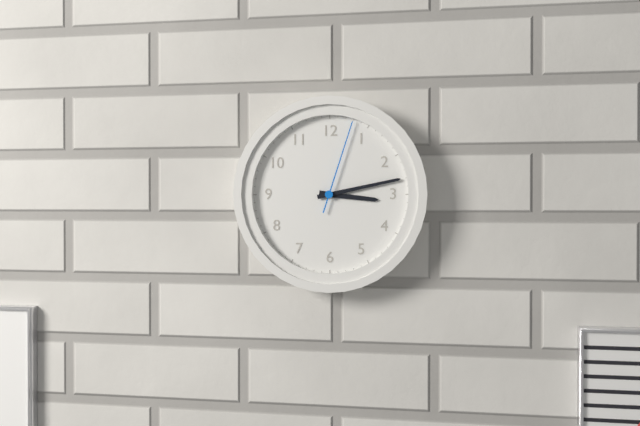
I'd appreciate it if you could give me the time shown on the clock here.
3:13:03
